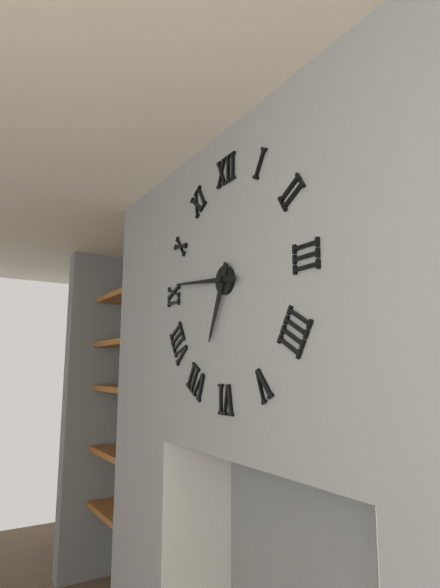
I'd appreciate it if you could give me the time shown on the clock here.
6:46
